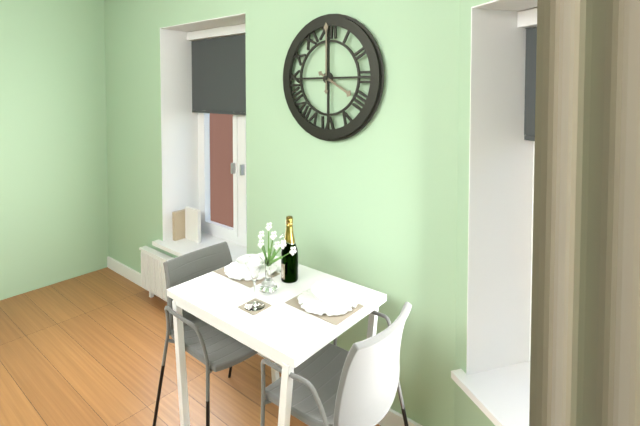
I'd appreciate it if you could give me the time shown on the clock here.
4:00
